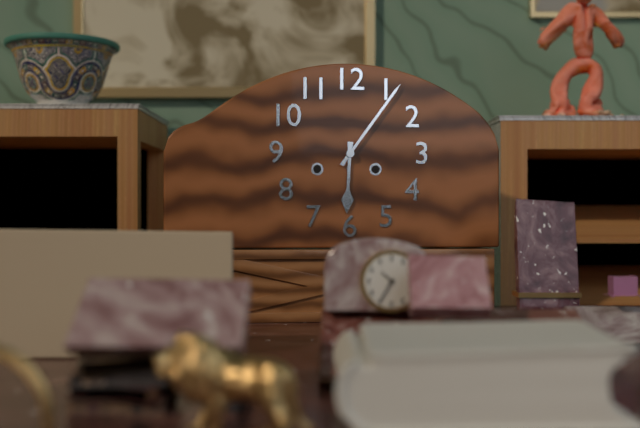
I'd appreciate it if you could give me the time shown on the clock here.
6:06
